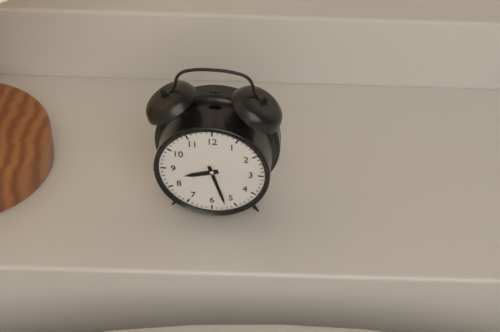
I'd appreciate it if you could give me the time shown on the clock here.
8:27
